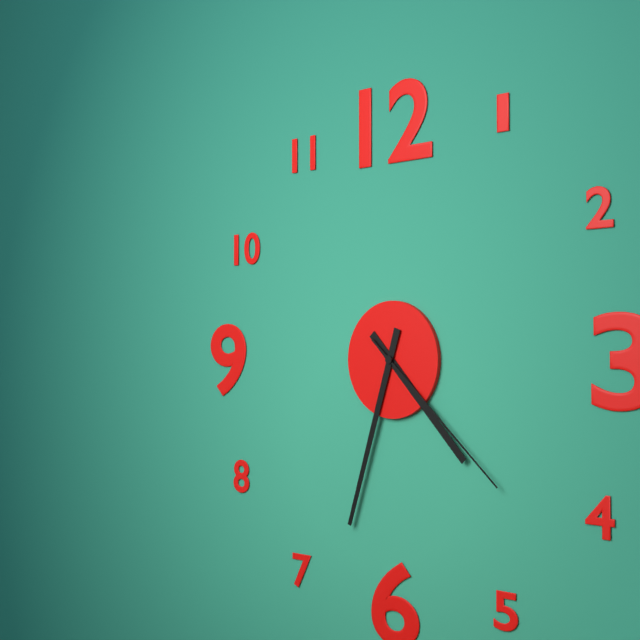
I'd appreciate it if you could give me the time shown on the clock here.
4:33:22
